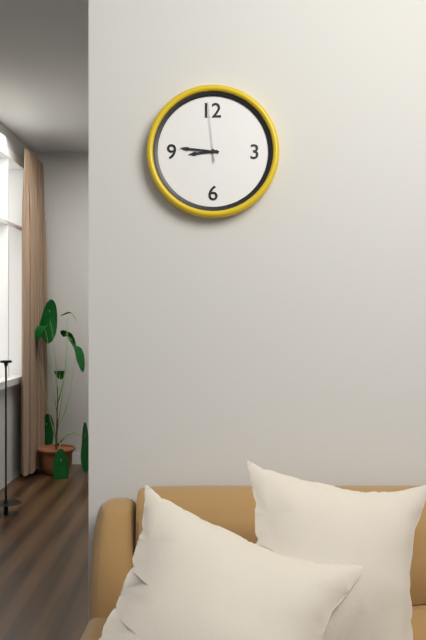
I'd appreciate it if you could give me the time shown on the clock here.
8:46:59
